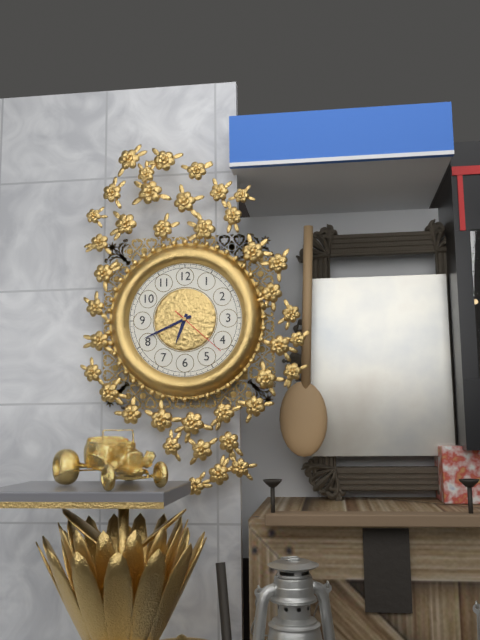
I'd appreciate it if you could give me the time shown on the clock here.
6:41:22
